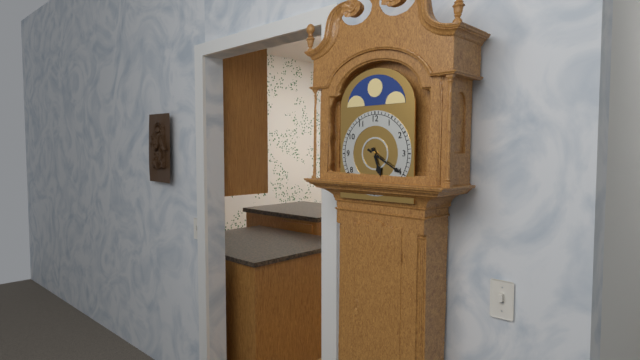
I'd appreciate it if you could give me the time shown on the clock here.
5:20
